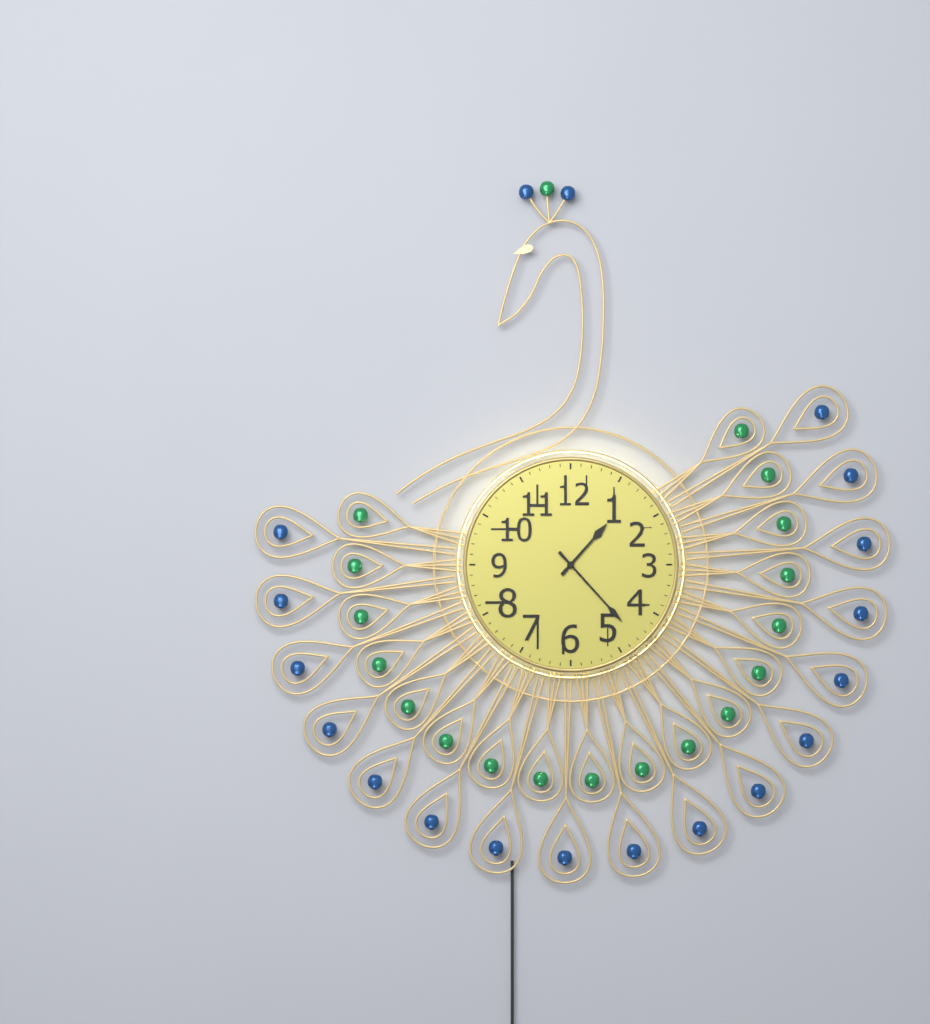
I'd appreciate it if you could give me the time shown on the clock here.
1:23
